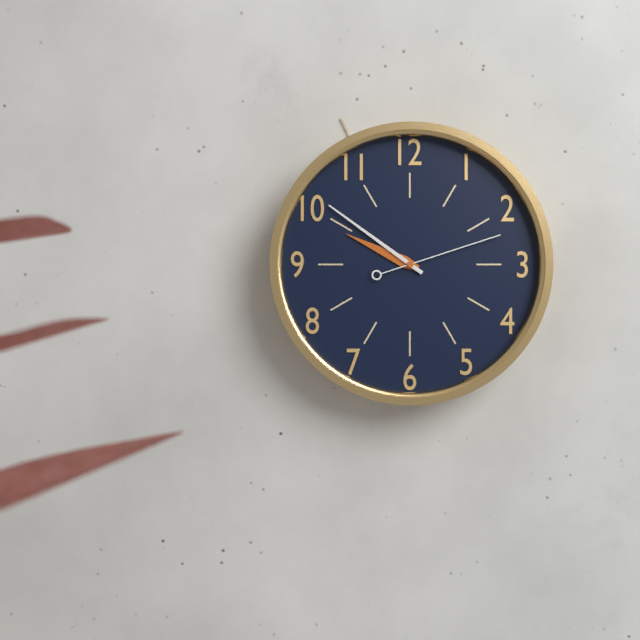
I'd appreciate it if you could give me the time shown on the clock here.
9:51:12
